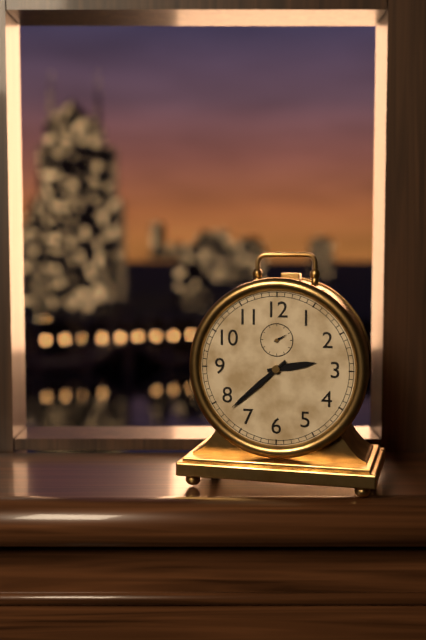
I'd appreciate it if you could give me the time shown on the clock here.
2:38
